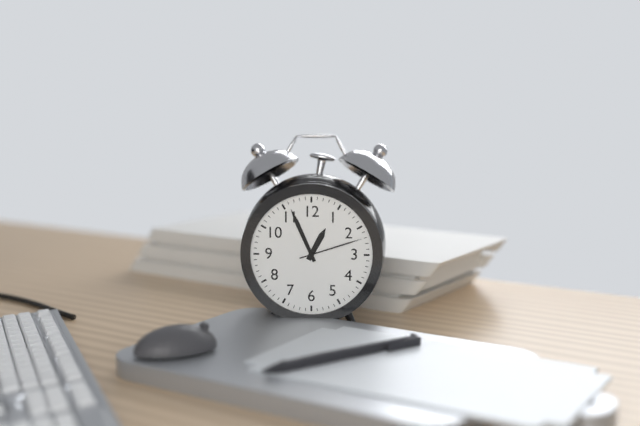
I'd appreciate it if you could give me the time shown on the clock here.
12:56:12
